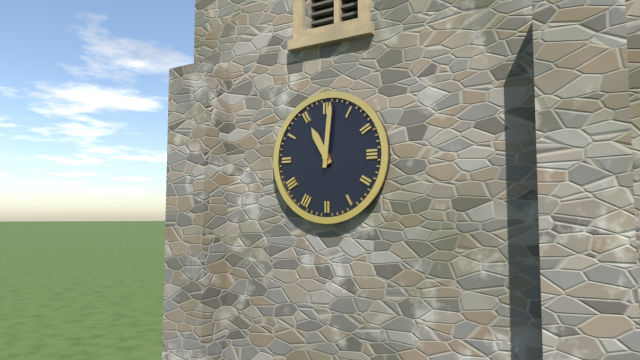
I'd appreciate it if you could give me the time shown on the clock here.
11:01
